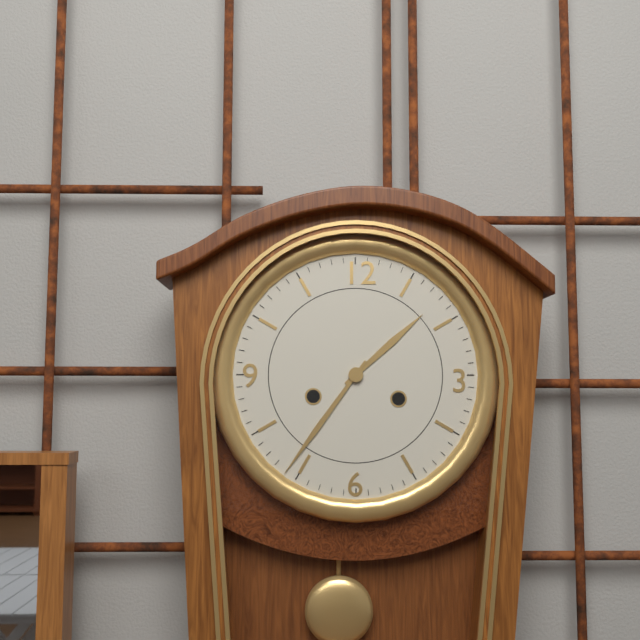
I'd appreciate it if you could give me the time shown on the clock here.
1:36
